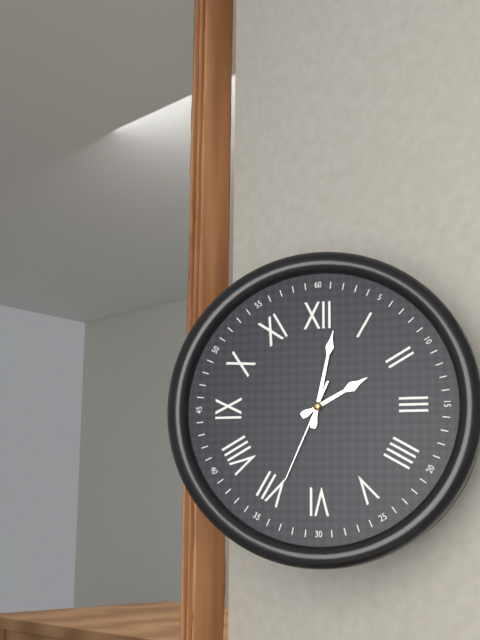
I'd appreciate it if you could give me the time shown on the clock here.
2:02:34
